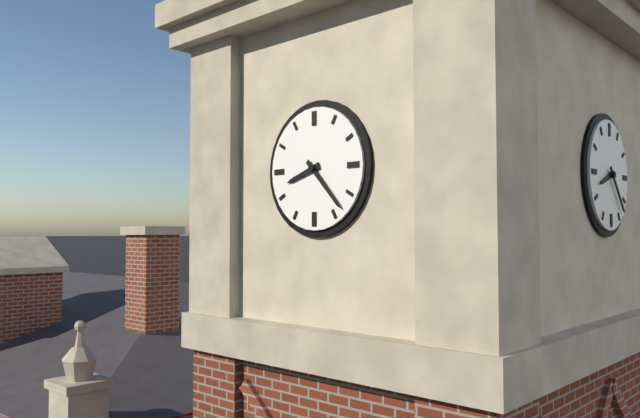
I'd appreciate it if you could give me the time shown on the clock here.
8:23
